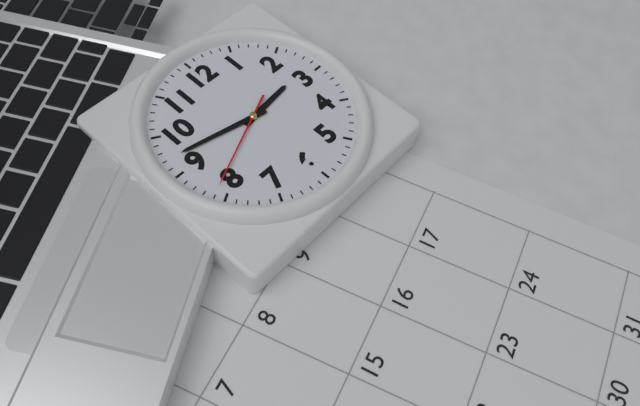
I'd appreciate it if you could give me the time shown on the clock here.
2:47:41
